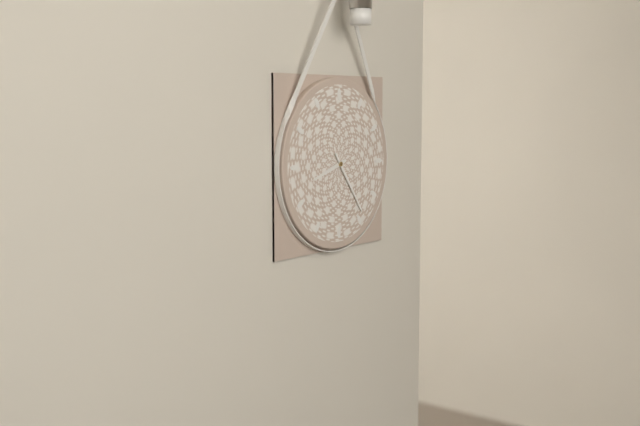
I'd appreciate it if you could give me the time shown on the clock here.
8:24
